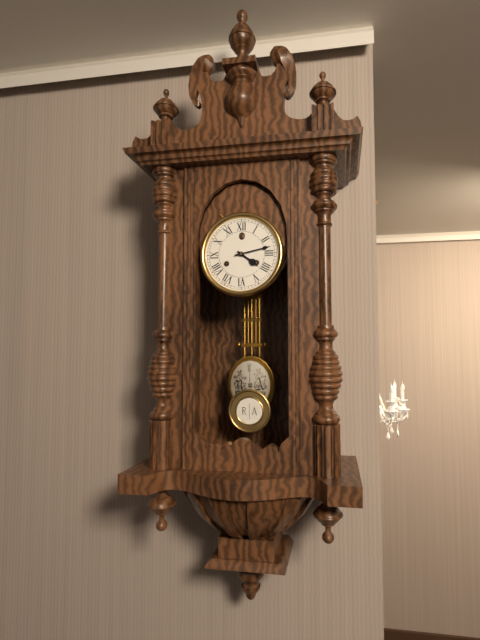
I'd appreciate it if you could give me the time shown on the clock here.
4:13
